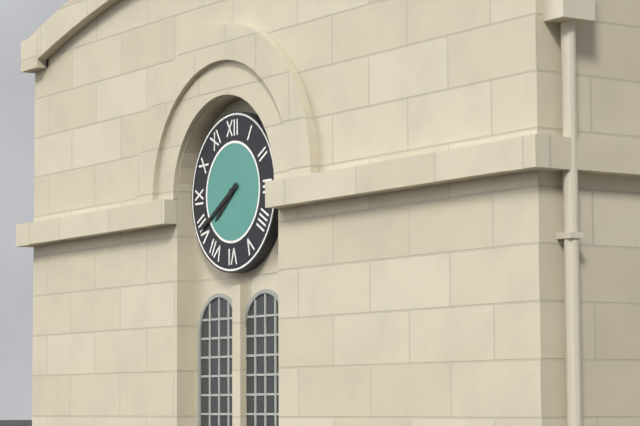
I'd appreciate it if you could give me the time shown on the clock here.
7:40
